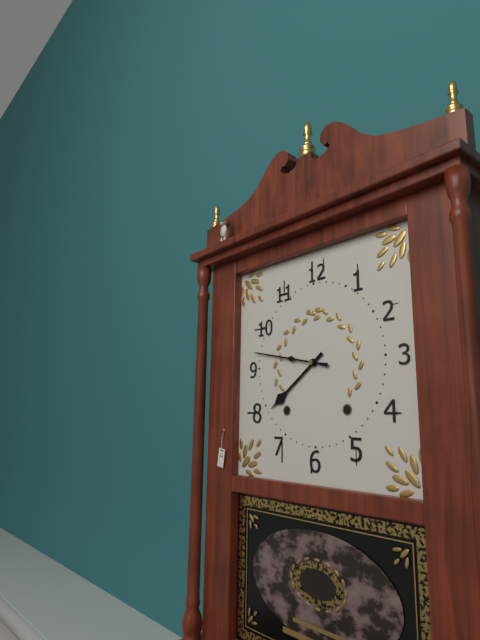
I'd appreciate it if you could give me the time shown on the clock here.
7:47
